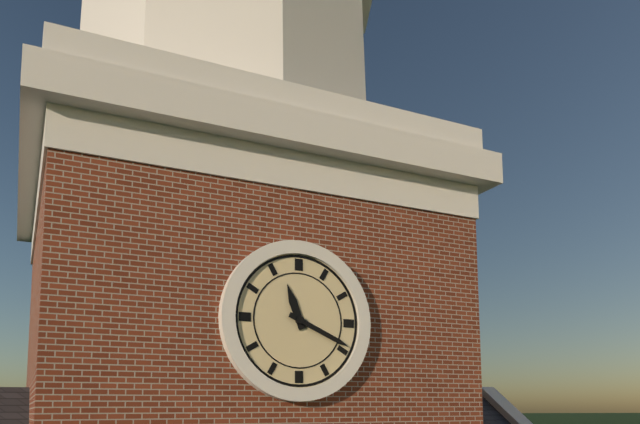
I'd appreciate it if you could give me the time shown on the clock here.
11:19
